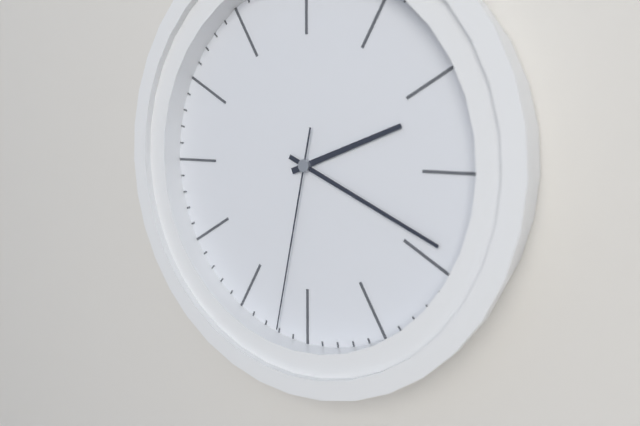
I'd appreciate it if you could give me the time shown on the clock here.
2:19:32
